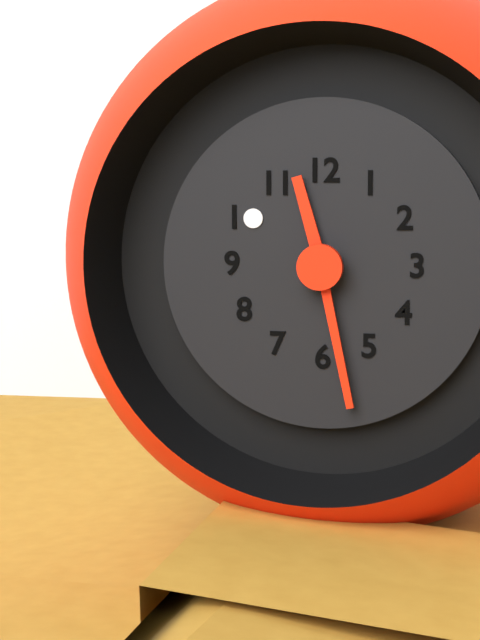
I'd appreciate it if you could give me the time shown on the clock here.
11:28
